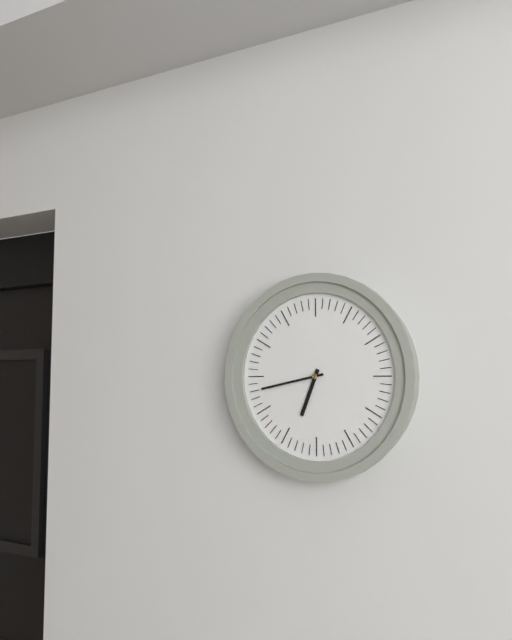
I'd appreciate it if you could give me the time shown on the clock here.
6:43
